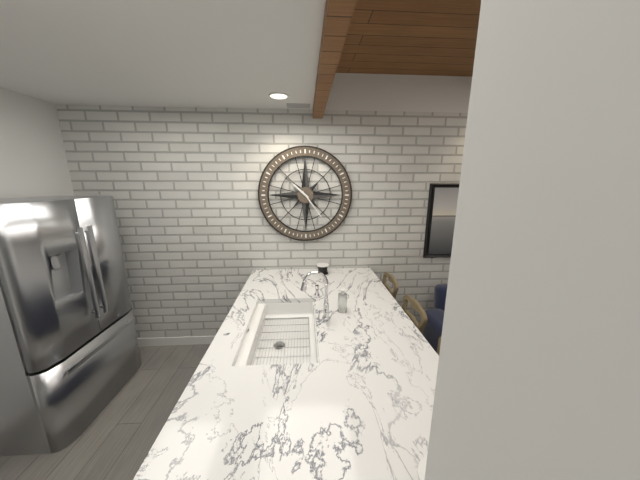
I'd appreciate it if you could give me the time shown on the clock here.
10:24
